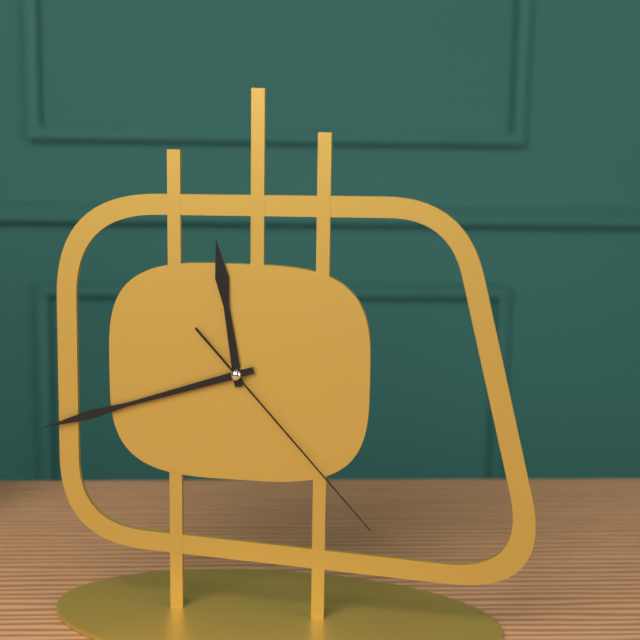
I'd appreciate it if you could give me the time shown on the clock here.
11:42:23
